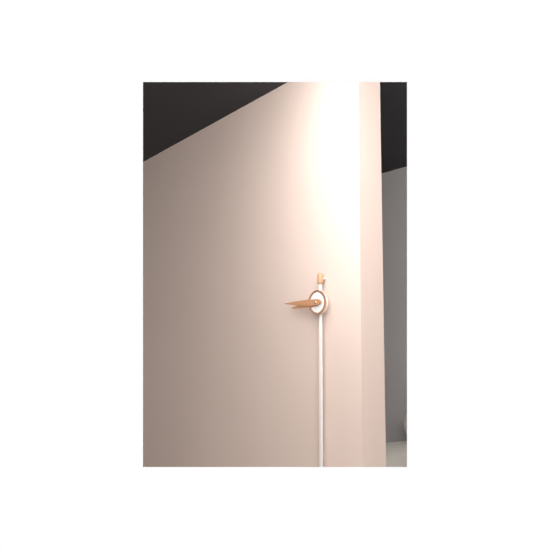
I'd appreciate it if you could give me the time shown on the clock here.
8:45
